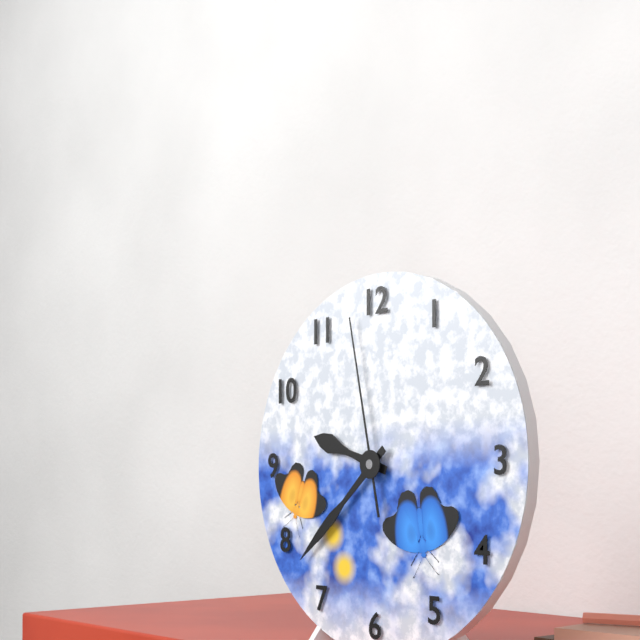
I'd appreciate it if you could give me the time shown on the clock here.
9:38:58
